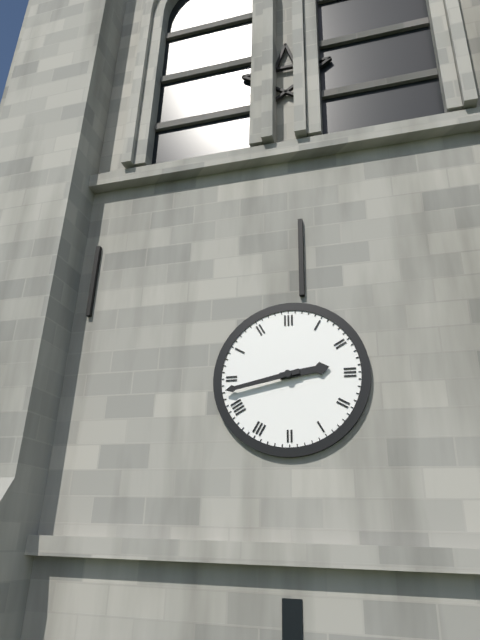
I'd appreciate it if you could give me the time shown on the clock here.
2:43
